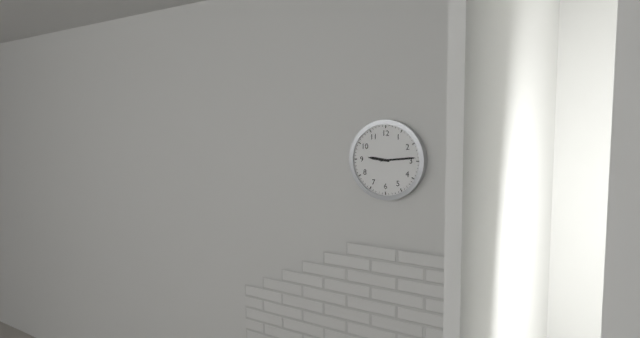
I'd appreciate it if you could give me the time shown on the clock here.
9:14
